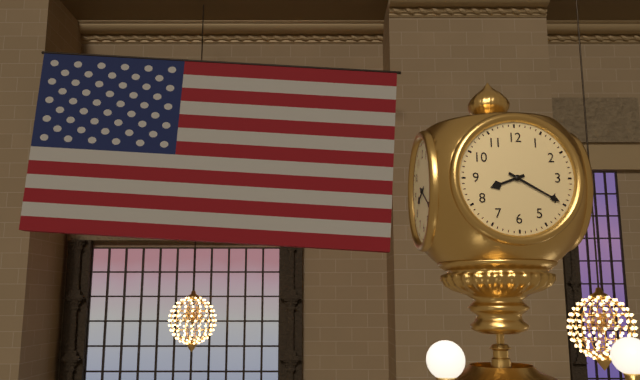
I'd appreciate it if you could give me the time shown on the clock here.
8:20
